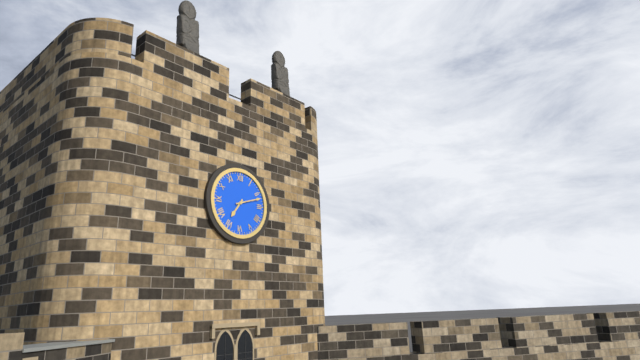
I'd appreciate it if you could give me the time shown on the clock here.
7:12
